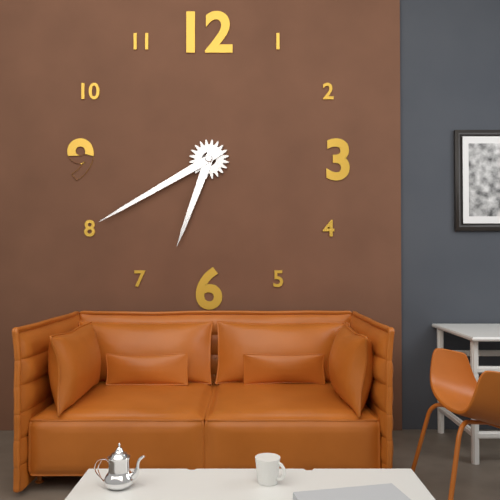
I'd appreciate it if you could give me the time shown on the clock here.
6:40
